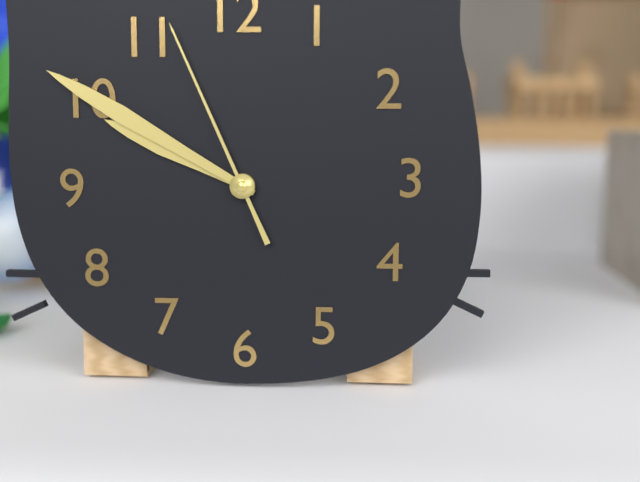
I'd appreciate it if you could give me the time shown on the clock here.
9:50:56
